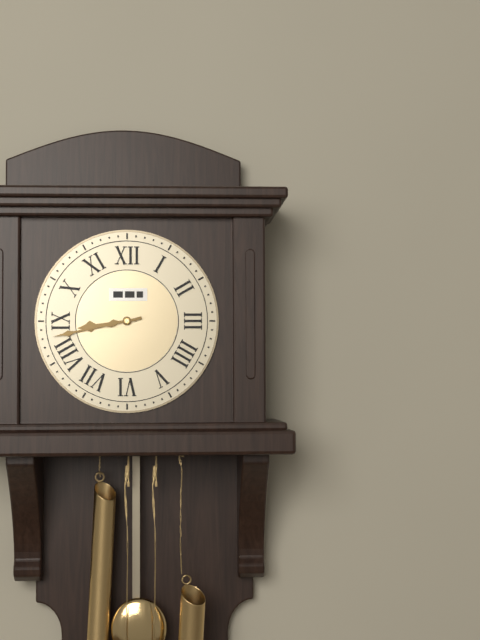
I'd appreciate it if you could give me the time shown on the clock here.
8:43
